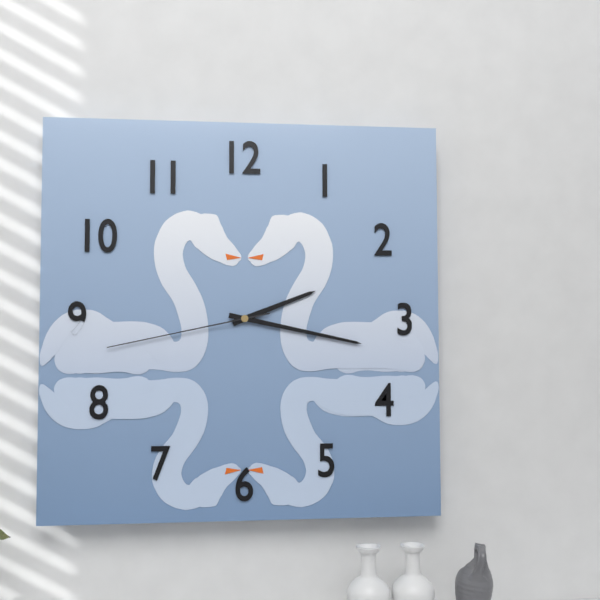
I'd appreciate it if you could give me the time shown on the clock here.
2:17:43
